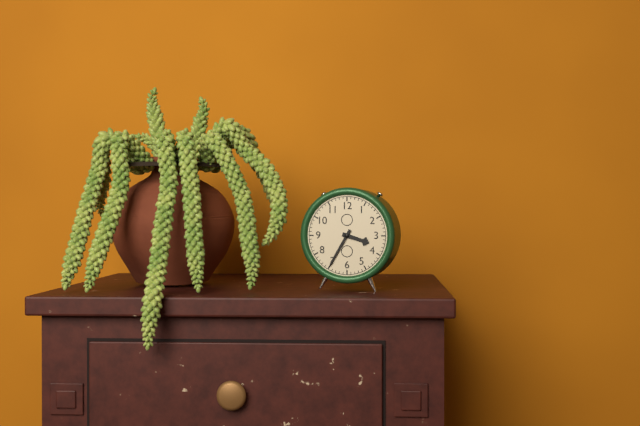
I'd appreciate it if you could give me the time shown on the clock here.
3:35
